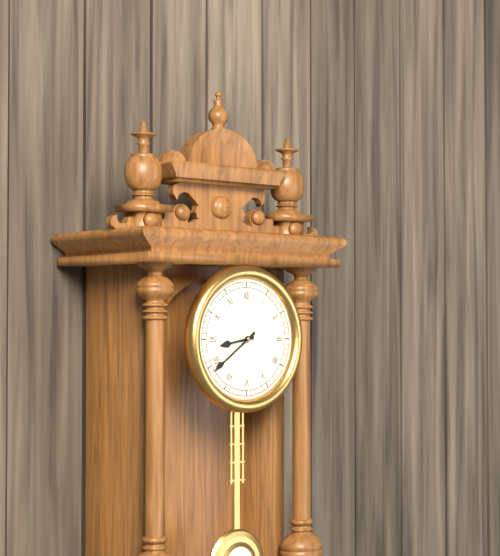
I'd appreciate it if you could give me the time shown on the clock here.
8:39
